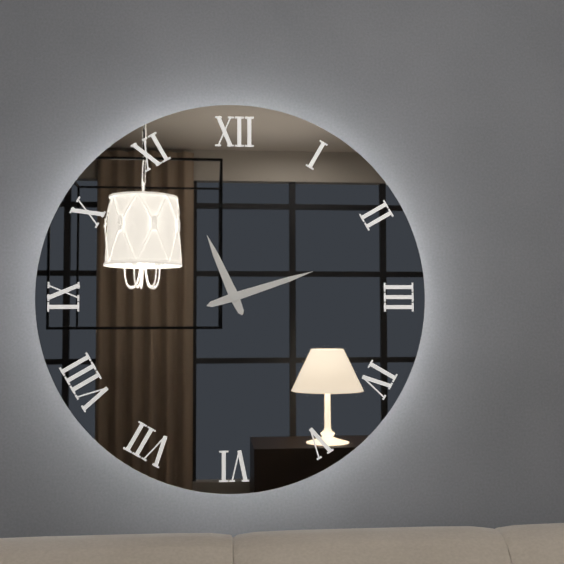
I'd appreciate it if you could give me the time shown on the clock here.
11:12
